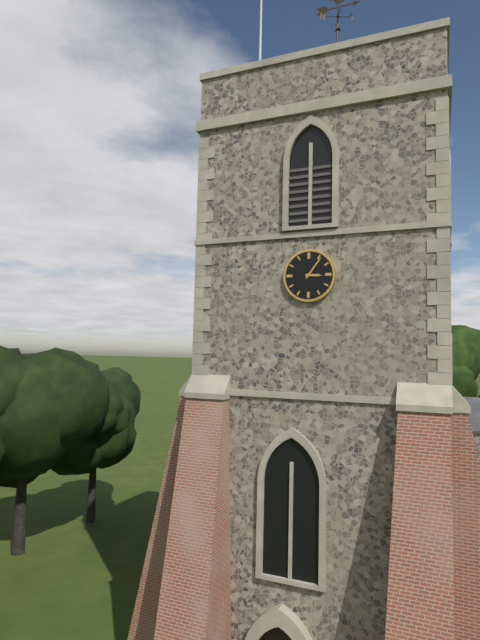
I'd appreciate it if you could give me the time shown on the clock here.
3:06
